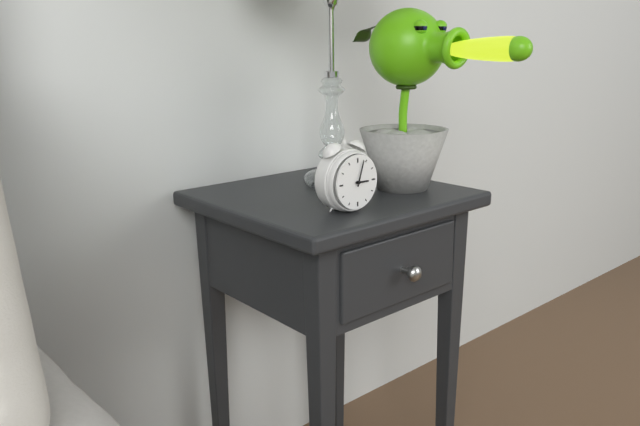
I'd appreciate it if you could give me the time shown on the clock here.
3:03
